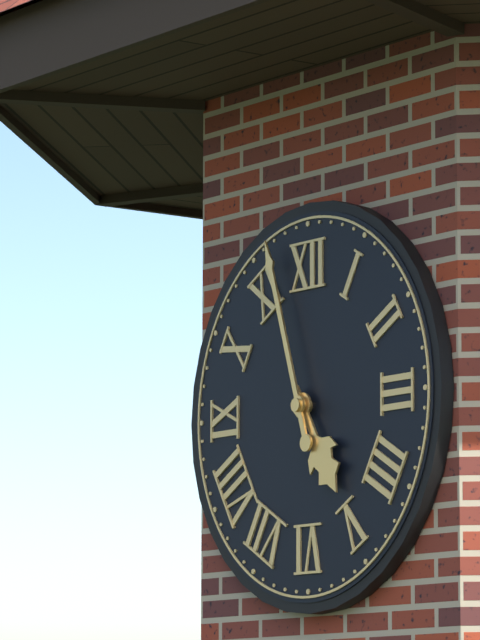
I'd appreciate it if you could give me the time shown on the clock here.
4:57
